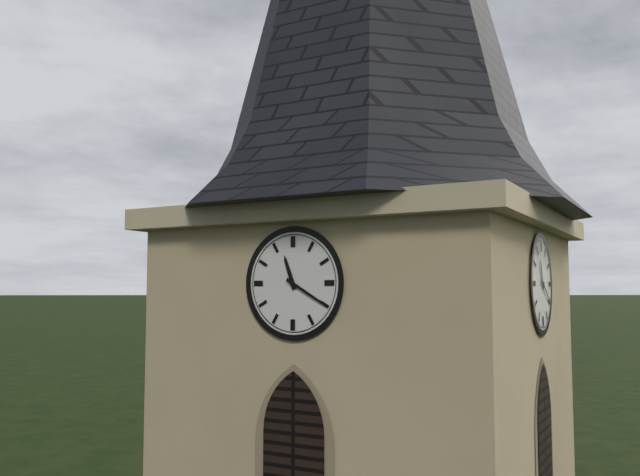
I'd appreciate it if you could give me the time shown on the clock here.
11:20
